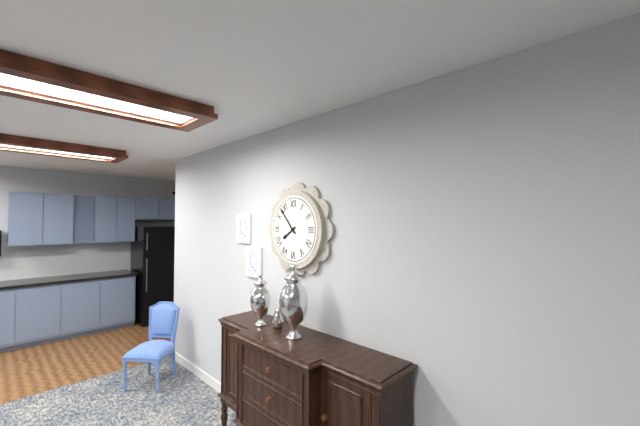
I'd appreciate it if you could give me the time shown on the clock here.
7:53
